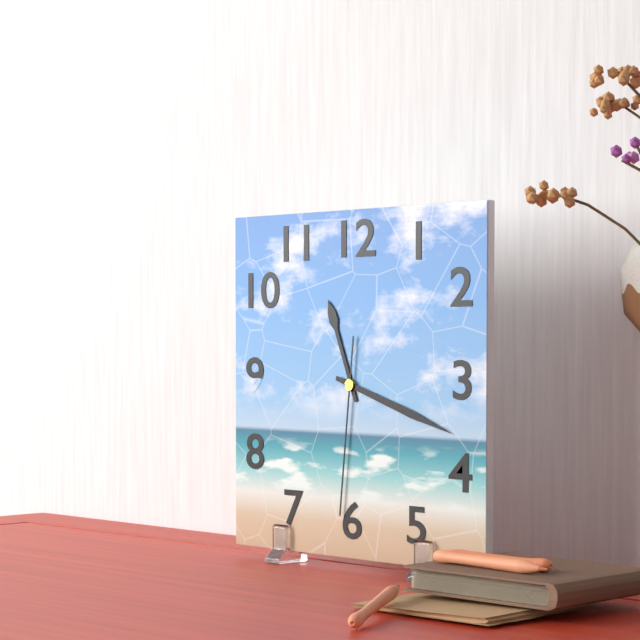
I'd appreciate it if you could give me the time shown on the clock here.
11:18:31
